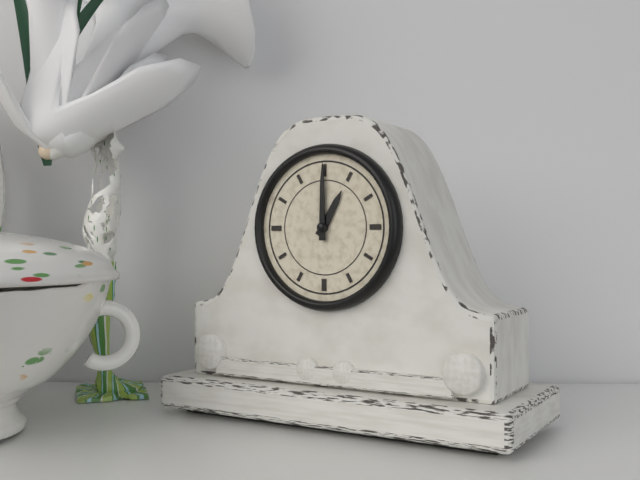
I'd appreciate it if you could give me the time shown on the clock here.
1:00
